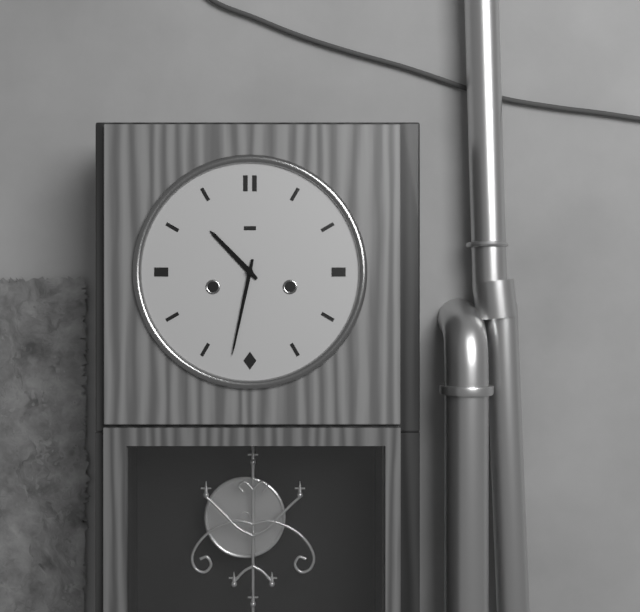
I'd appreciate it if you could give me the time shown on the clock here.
10:32
